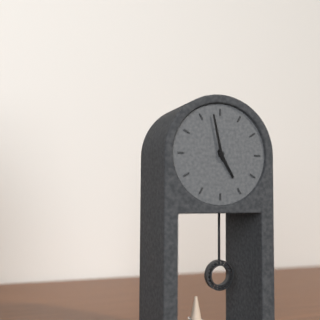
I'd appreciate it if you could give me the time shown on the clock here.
4:58
